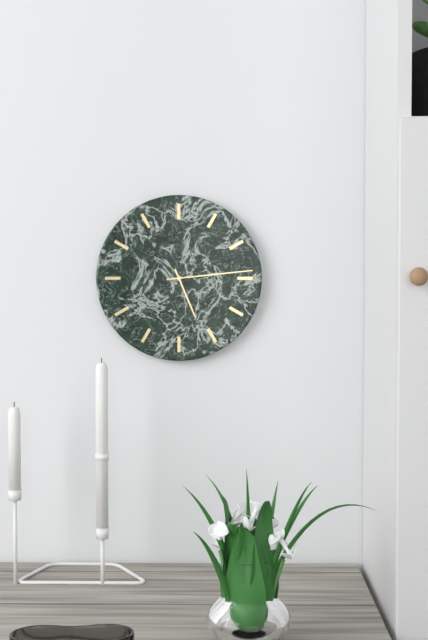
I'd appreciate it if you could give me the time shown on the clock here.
5:14
